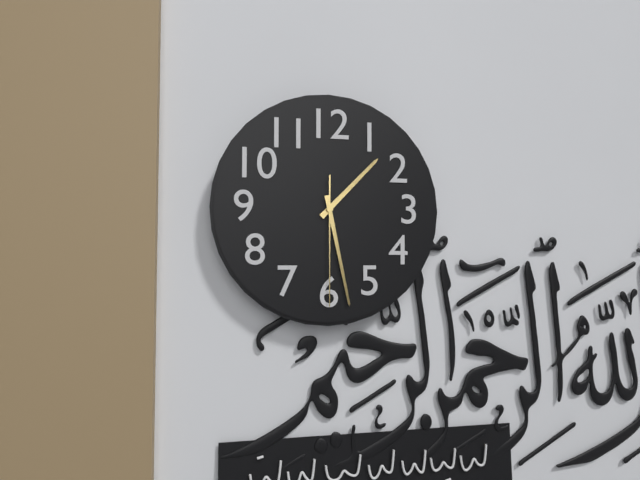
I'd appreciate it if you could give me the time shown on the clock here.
1:28:30
